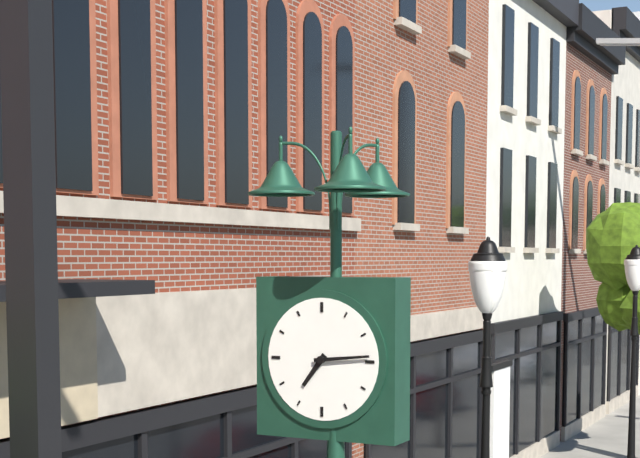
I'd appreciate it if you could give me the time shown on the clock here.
7:14
